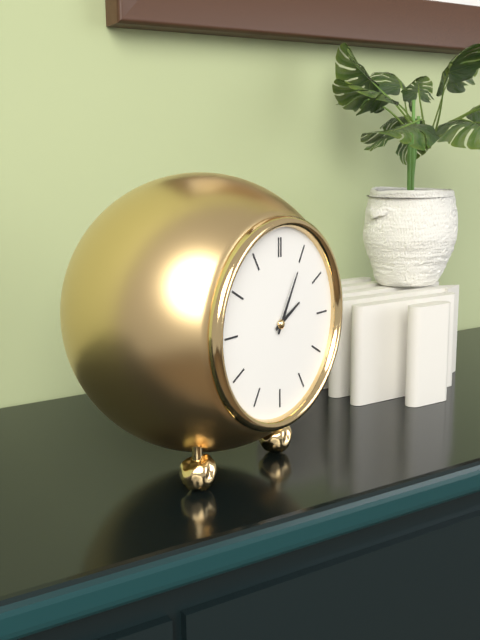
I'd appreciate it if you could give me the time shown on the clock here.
2:05
